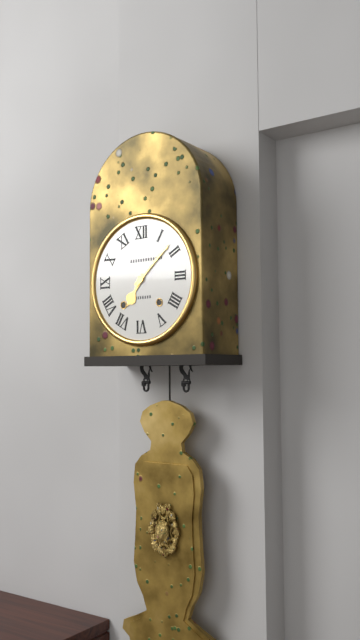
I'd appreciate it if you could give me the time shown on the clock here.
7:08
